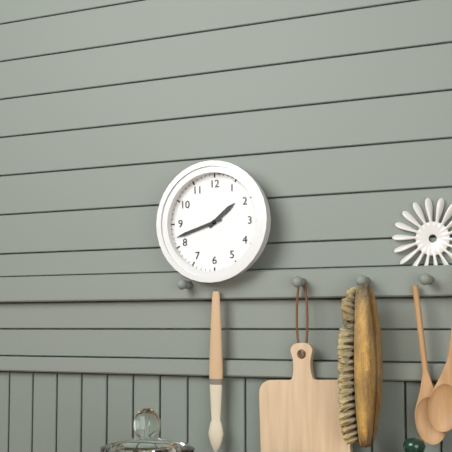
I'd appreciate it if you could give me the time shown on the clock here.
1:42
